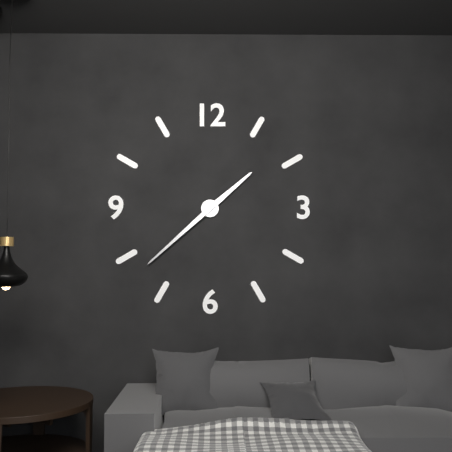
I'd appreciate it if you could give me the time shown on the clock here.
1:38
